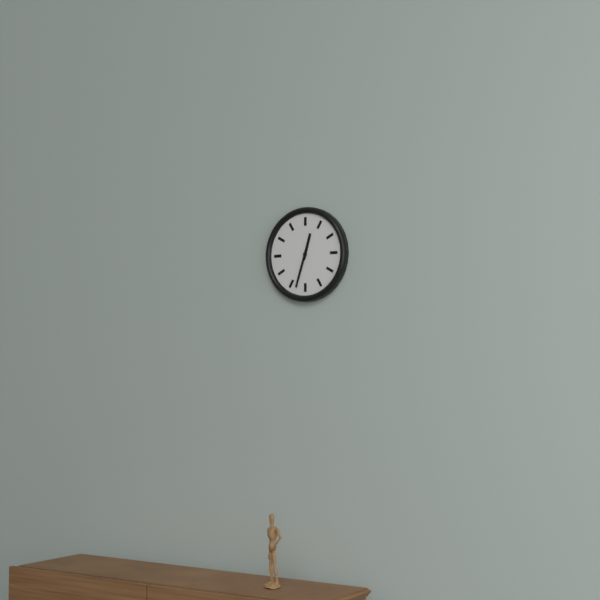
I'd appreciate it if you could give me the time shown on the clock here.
12:33
